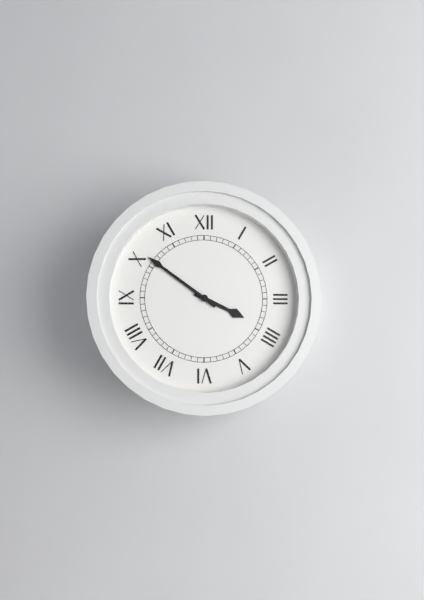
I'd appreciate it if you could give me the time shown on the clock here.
3:51
